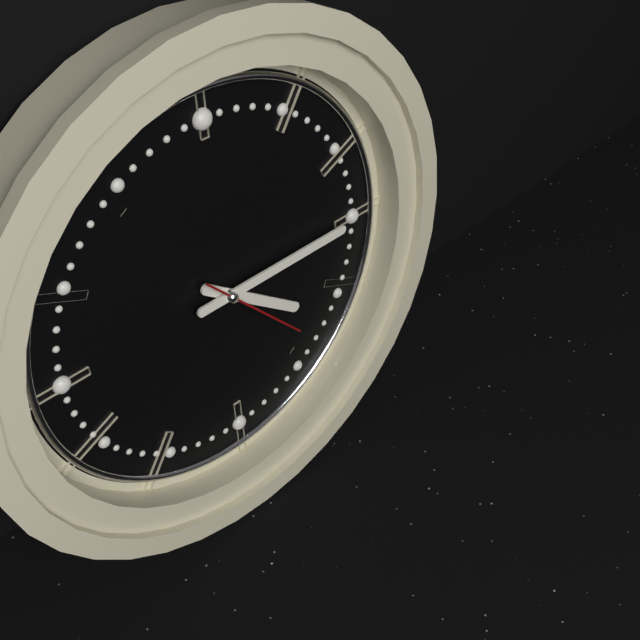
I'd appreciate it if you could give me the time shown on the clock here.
4:15:23
